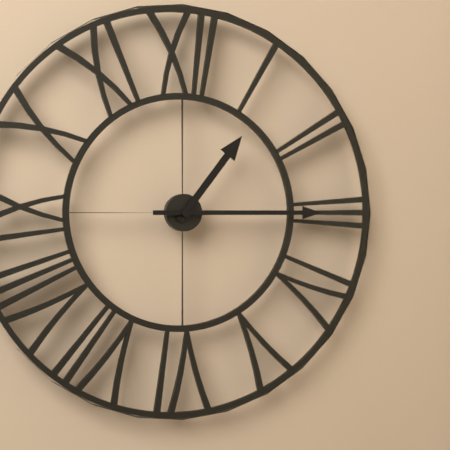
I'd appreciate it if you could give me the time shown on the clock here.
1:15
